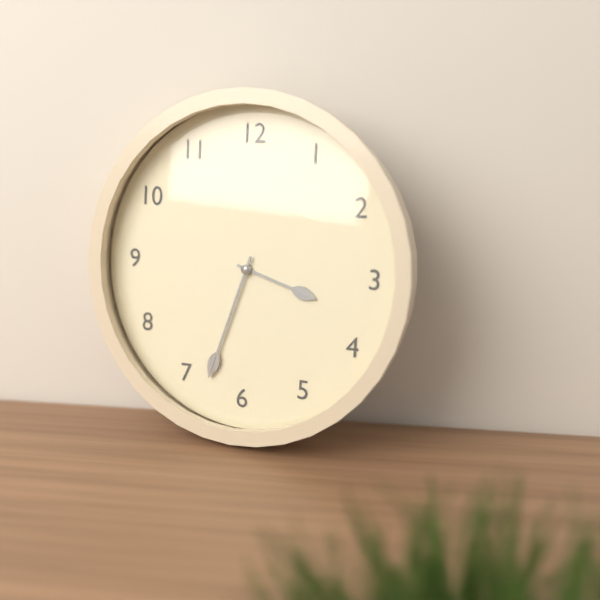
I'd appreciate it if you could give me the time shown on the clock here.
3:33
